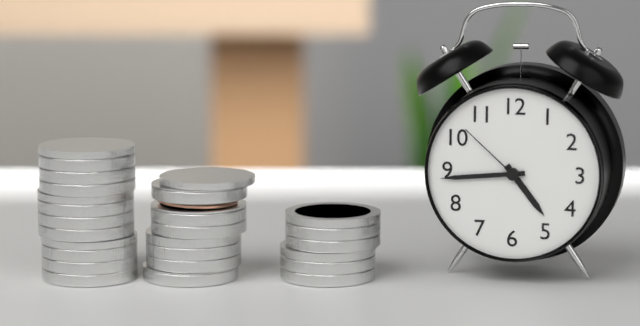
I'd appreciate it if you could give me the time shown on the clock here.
4:44:52
